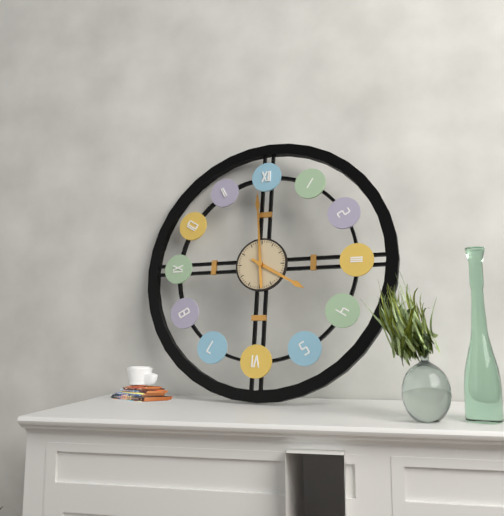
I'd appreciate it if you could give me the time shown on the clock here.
3:59
